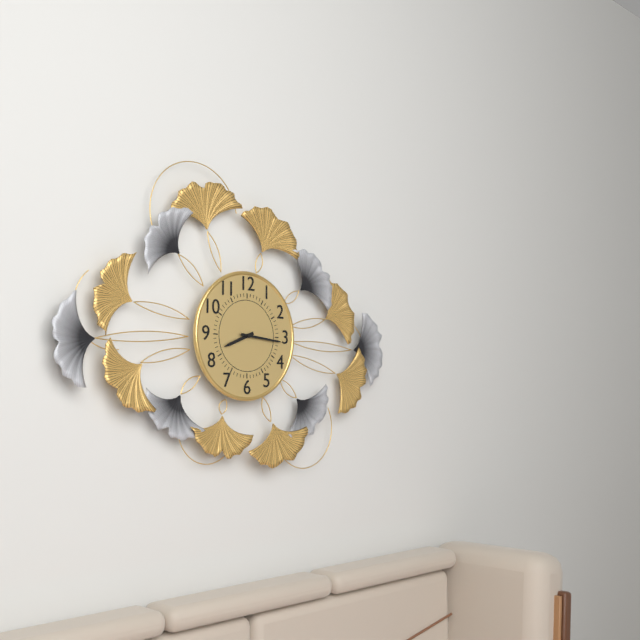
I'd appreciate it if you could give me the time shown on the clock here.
8:16
